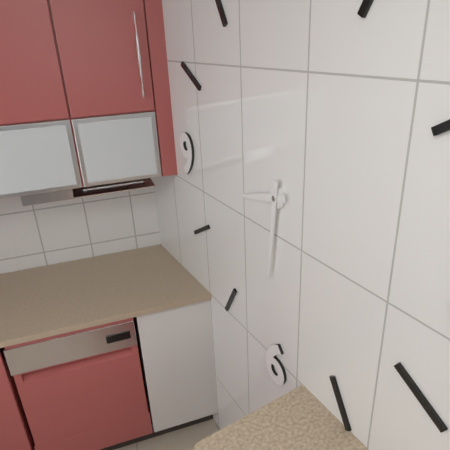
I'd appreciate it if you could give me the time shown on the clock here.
8:31
